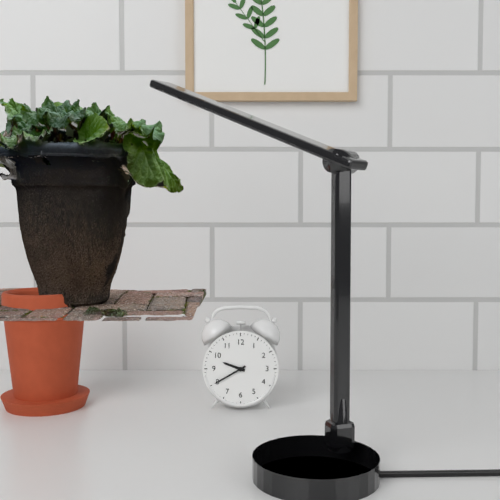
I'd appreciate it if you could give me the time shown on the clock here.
9:40
